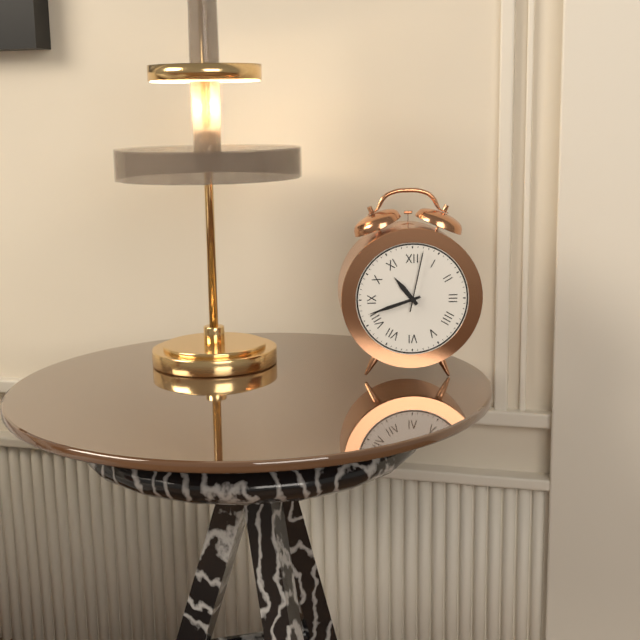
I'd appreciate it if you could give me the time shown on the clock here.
10:42:02
